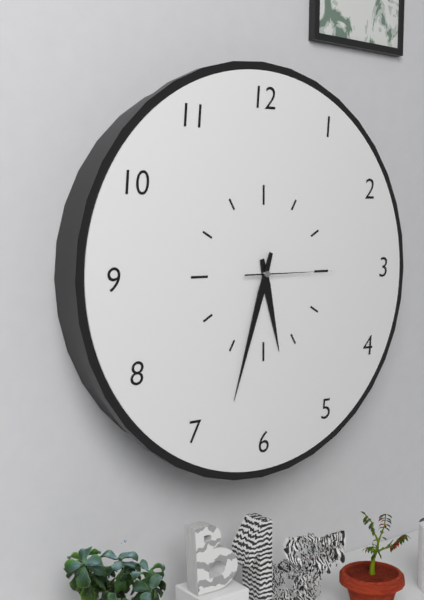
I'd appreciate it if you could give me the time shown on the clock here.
5:33:15
